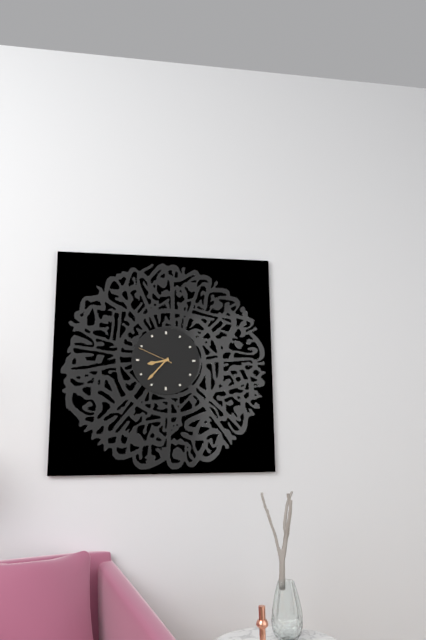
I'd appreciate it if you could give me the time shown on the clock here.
8:37
